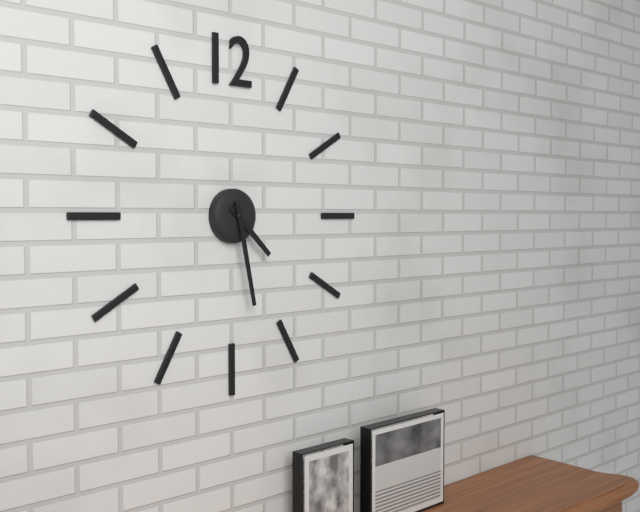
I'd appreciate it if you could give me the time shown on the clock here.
4:28
